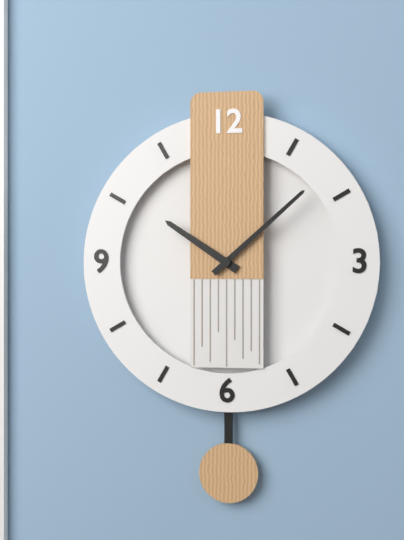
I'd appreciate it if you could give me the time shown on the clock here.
10:08
